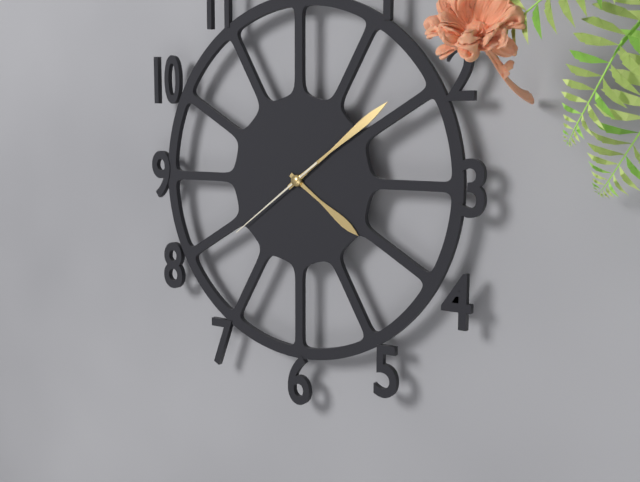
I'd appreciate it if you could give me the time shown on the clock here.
4:09:39
